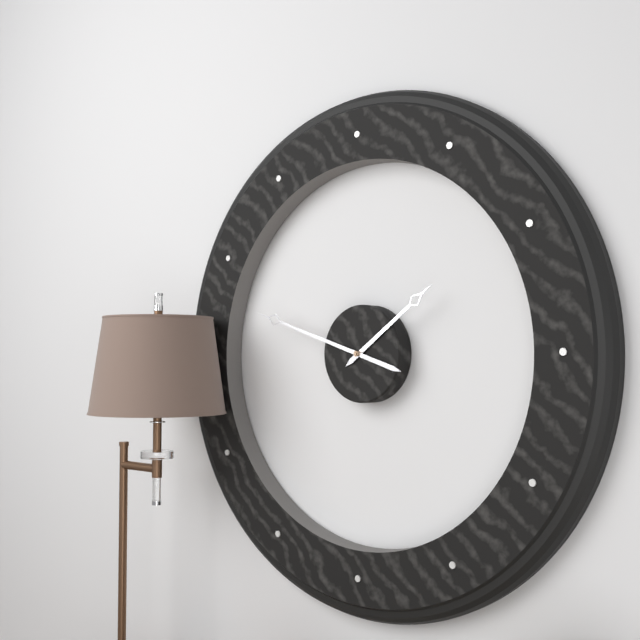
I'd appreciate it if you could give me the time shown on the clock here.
1:48
